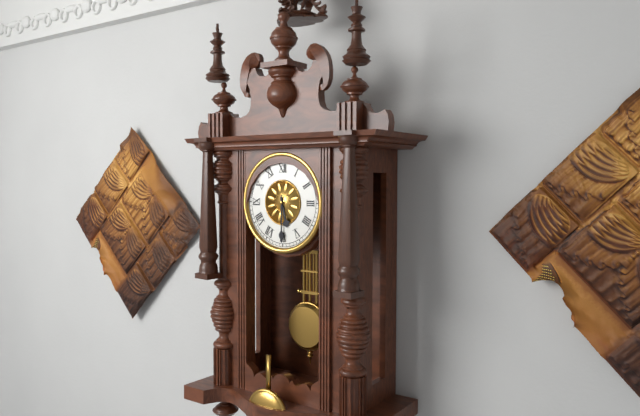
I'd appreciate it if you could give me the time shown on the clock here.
5:30
